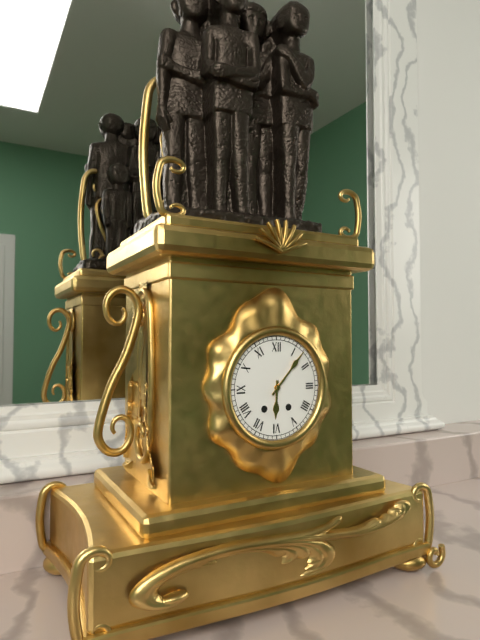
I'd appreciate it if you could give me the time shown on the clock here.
6:07
